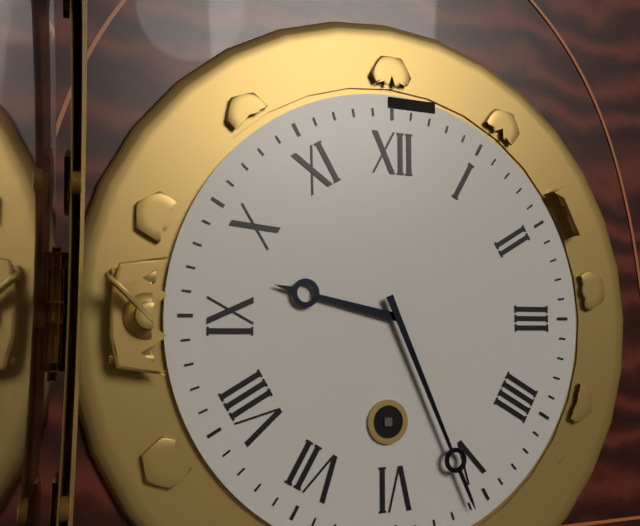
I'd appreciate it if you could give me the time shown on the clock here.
9:26
